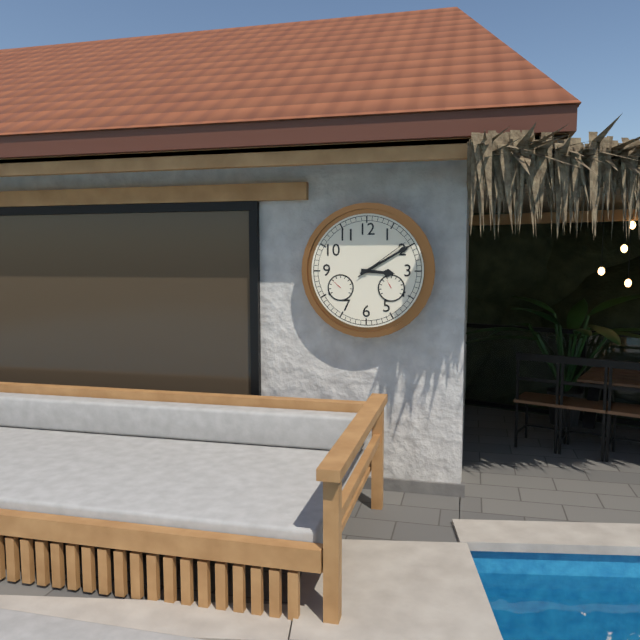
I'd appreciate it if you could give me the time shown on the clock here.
3:10:09
